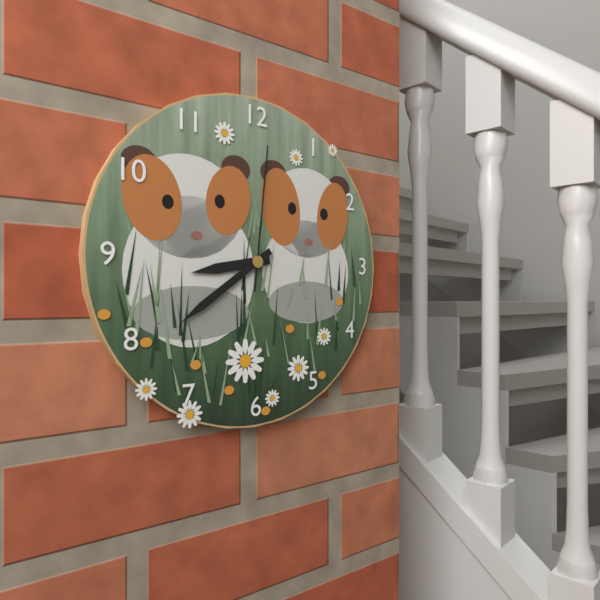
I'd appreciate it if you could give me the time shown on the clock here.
8:39:01
